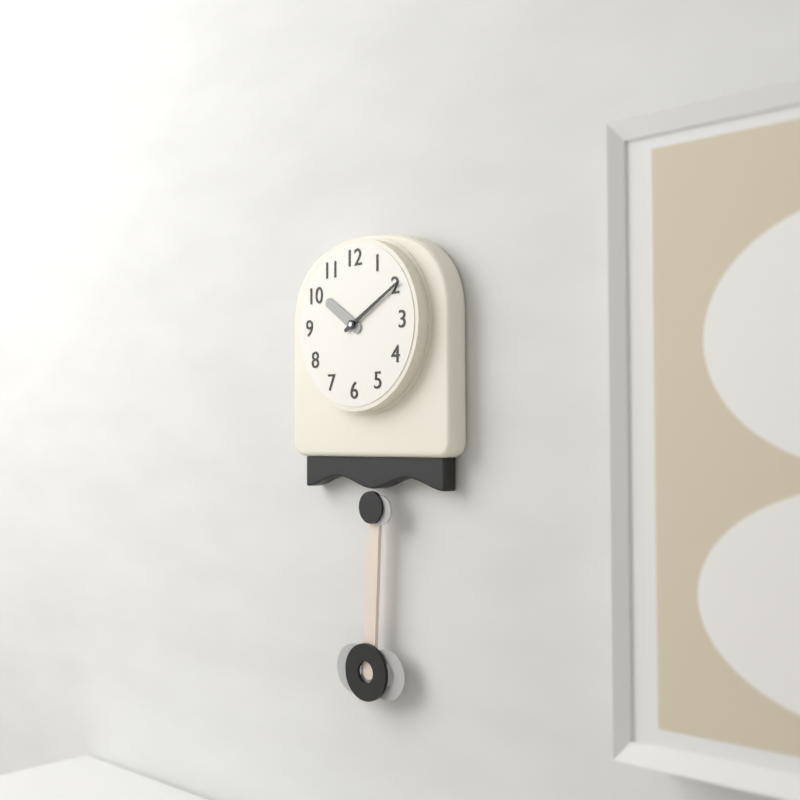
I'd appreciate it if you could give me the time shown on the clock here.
10:10
